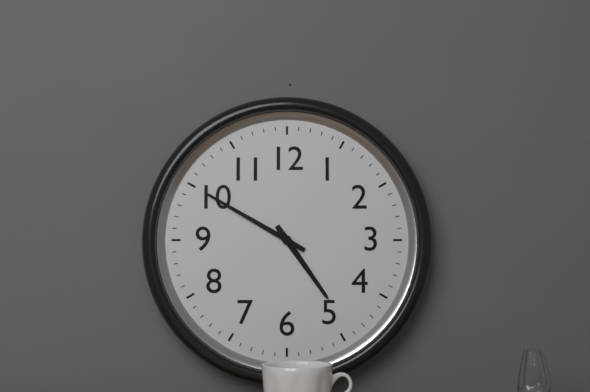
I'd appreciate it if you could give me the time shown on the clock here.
4:50
